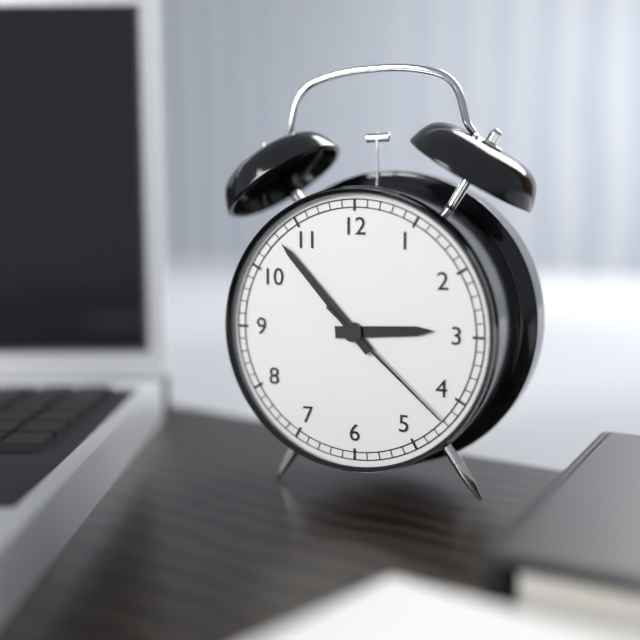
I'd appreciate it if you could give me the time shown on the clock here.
2:53:22
